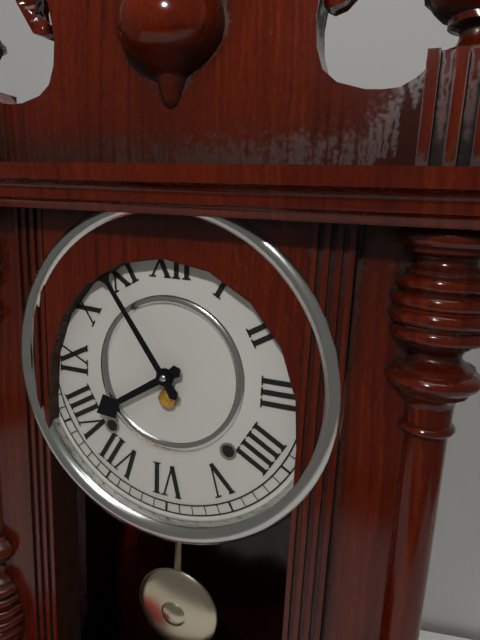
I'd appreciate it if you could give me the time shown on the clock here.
7:54
